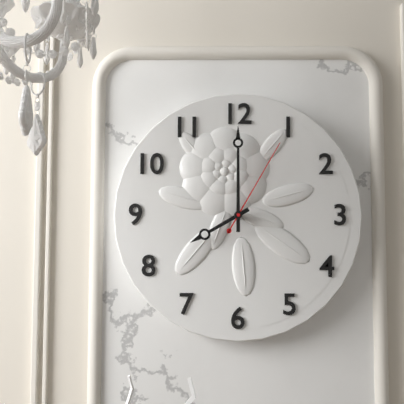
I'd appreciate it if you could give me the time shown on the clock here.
8:00:05
